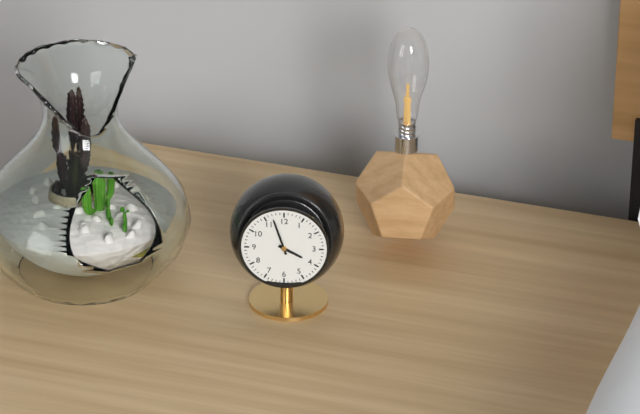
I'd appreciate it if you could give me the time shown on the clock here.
3:57
